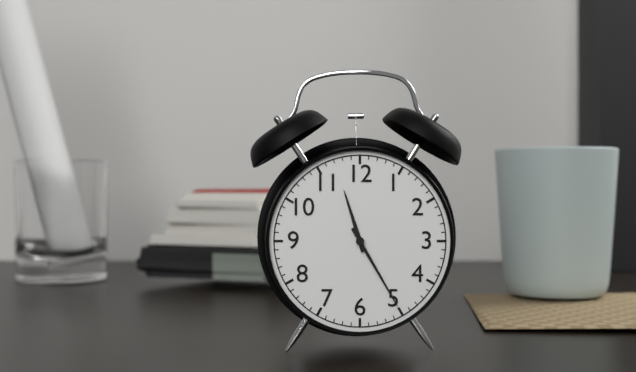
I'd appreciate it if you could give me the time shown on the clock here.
11:25
